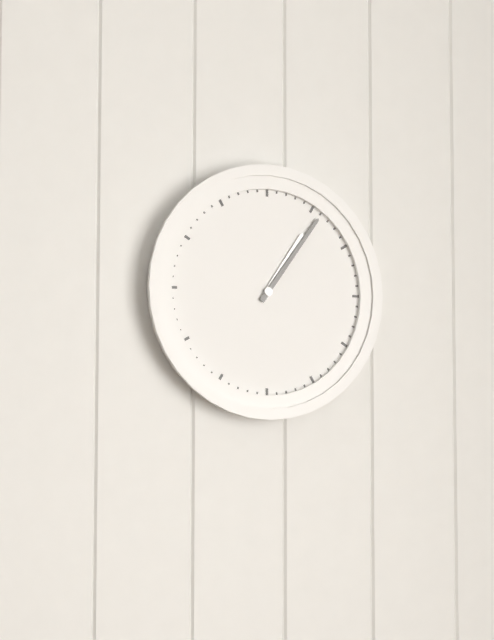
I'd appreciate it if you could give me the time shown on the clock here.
1:06
